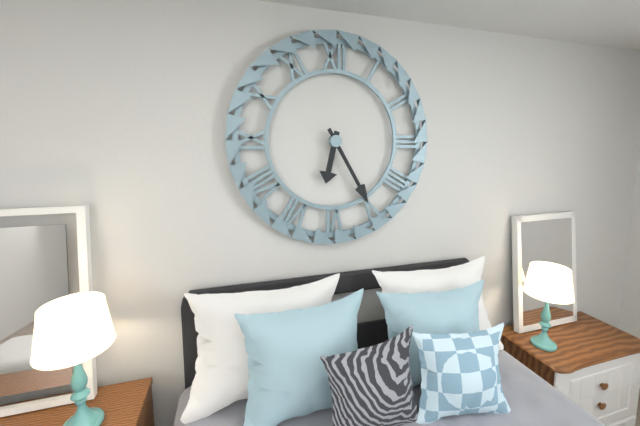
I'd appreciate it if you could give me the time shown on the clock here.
6:25
